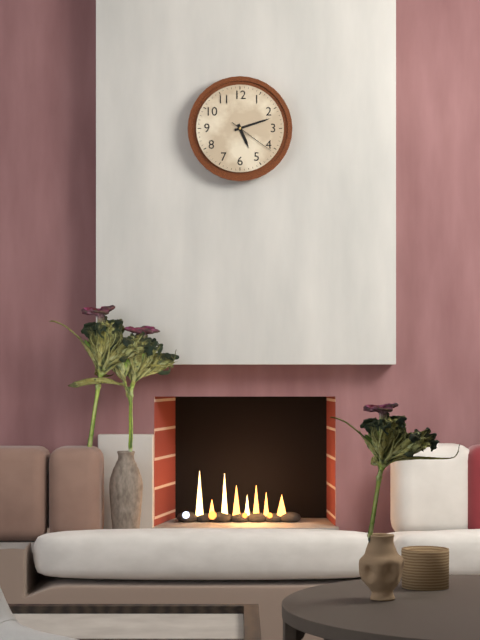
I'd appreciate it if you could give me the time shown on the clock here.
5:12
